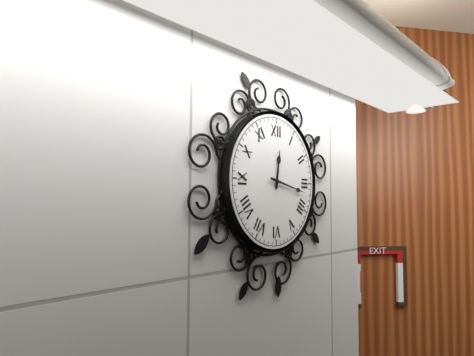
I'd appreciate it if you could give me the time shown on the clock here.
12:17
